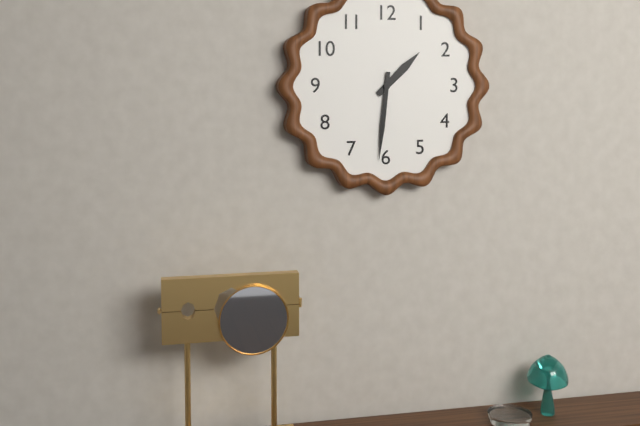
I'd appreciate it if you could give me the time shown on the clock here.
1:31
